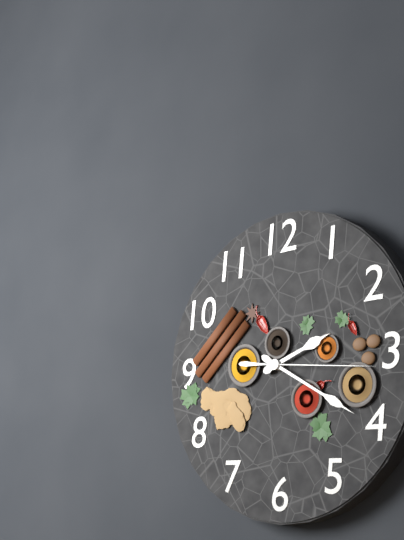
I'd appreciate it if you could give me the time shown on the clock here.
2:20:16
